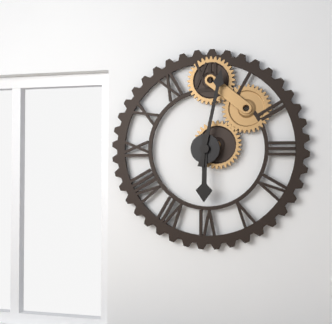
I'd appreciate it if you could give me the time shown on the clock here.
6:02
